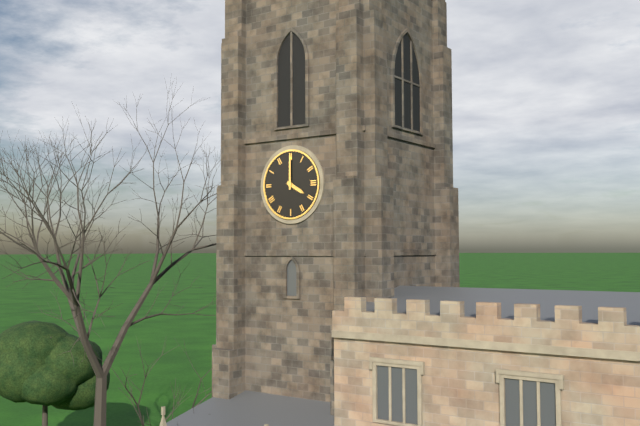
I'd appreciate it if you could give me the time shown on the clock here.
4:00
